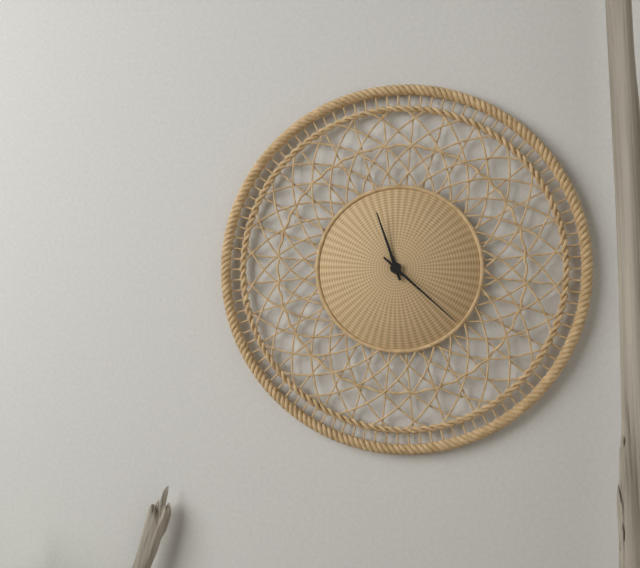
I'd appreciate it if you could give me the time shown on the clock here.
11:22
